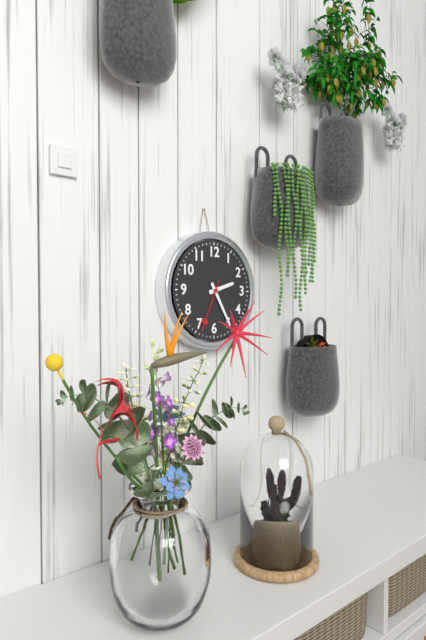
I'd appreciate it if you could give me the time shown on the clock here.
2:25:34
